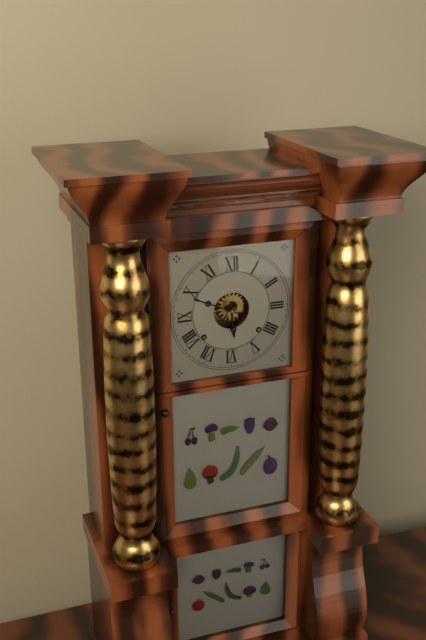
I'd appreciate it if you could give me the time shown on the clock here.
5:49
